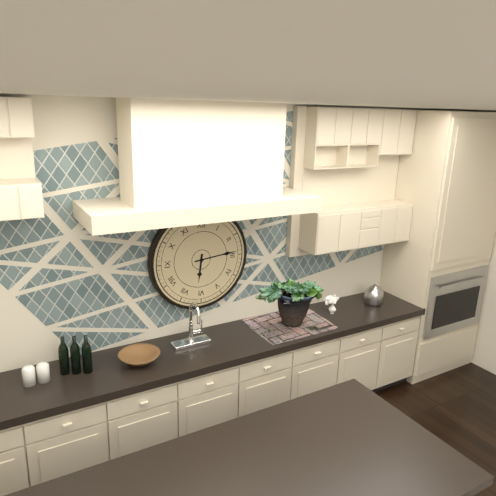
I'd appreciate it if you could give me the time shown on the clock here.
6:14
